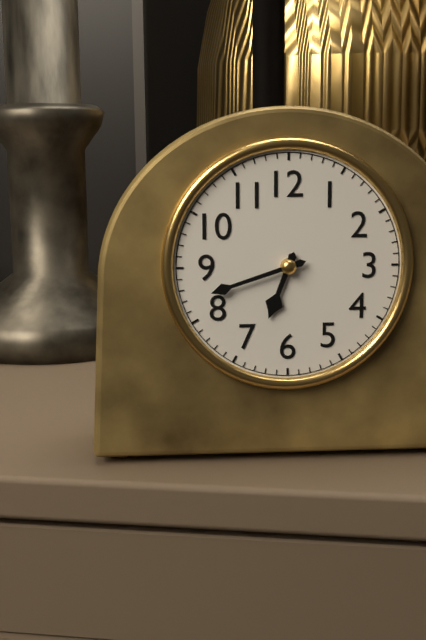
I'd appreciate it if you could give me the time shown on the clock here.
6:42
